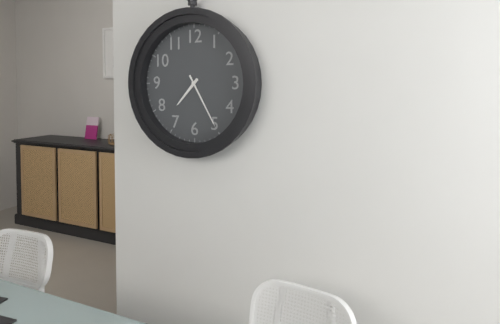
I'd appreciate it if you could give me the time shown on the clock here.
7:25
